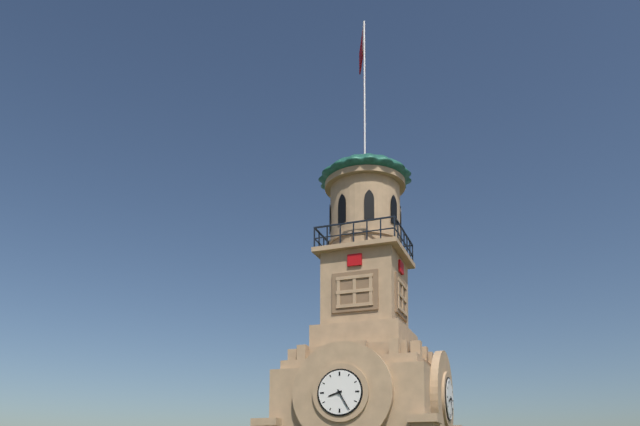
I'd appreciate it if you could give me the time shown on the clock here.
8:25
